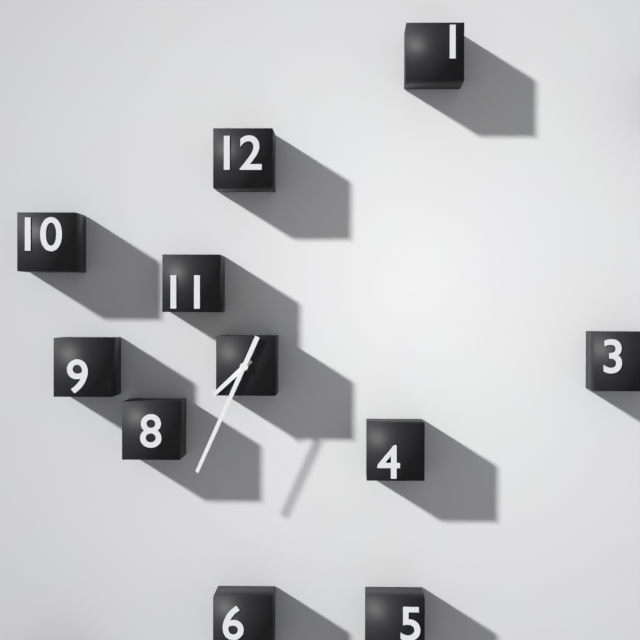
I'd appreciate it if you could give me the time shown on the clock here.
7:34
